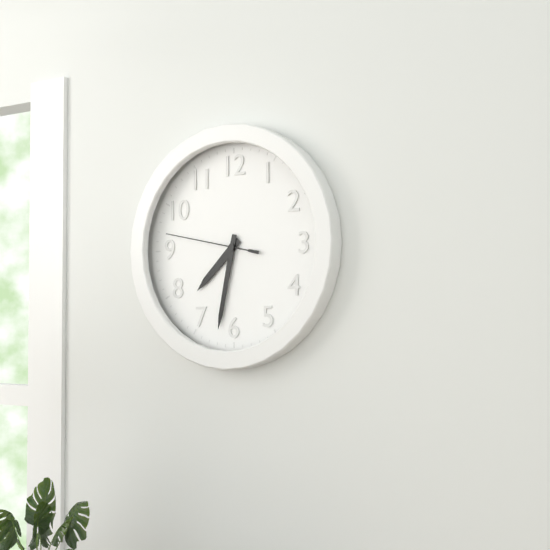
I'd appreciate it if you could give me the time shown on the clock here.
7:32:47
